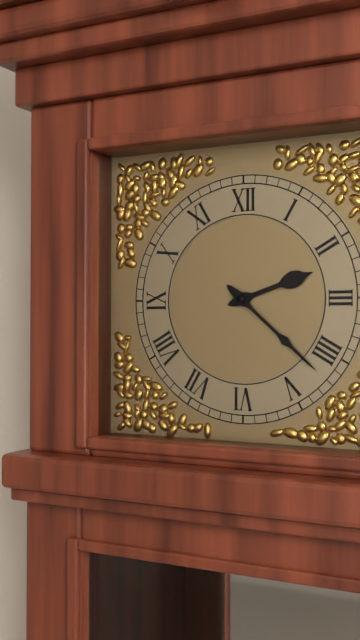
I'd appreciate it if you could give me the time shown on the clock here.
2:22
